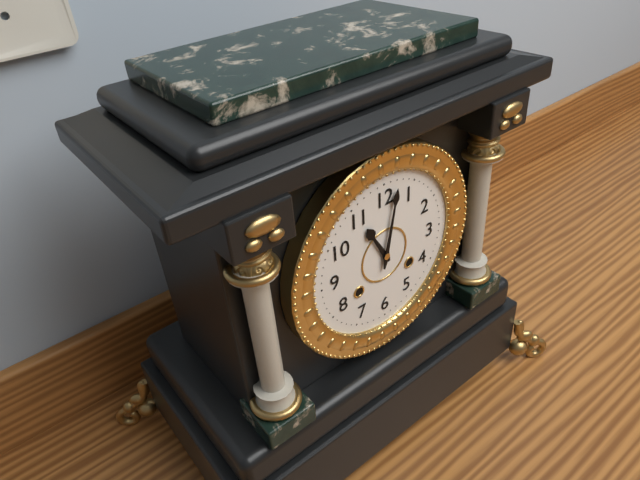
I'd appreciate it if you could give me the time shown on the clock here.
11:02
